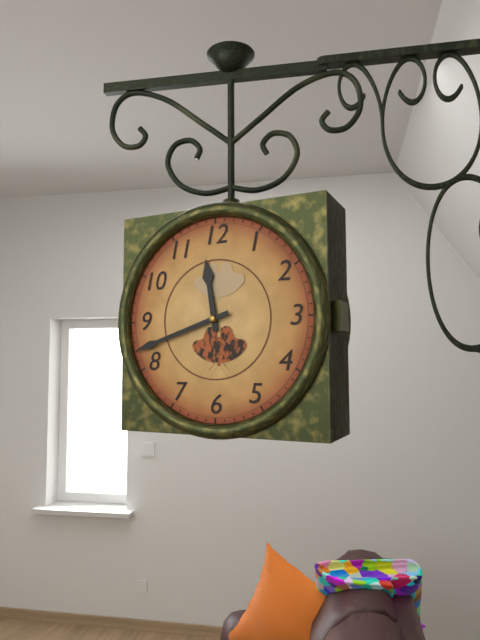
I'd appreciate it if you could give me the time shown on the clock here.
11:42
